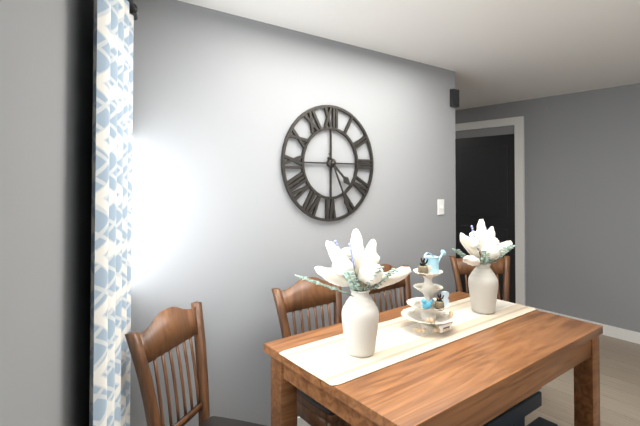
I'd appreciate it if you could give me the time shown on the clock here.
4:26
